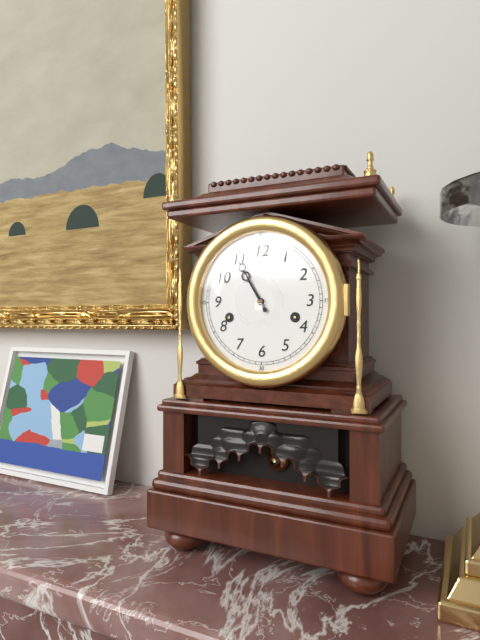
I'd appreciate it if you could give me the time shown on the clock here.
10:55
